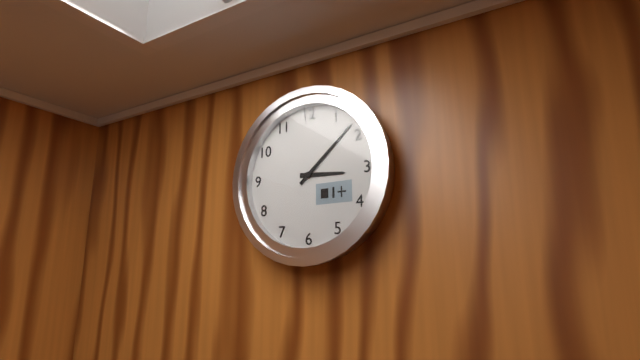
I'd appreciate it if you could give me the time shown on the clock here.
3:08
